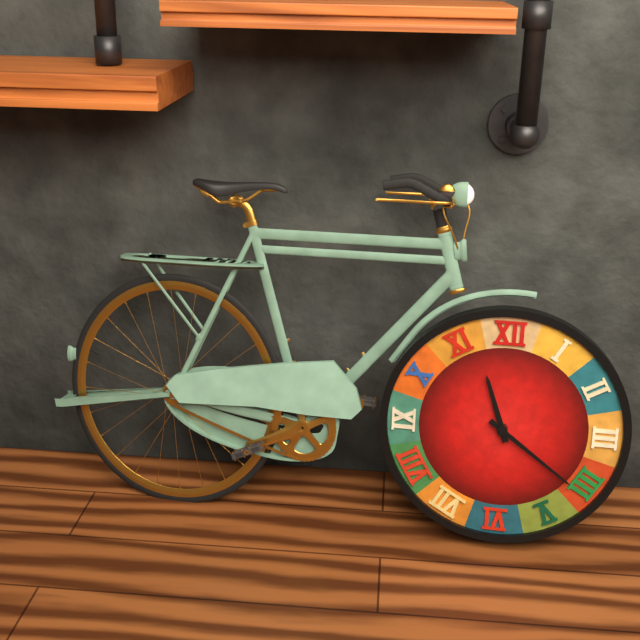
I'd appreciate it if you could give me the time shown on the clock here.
11:21
